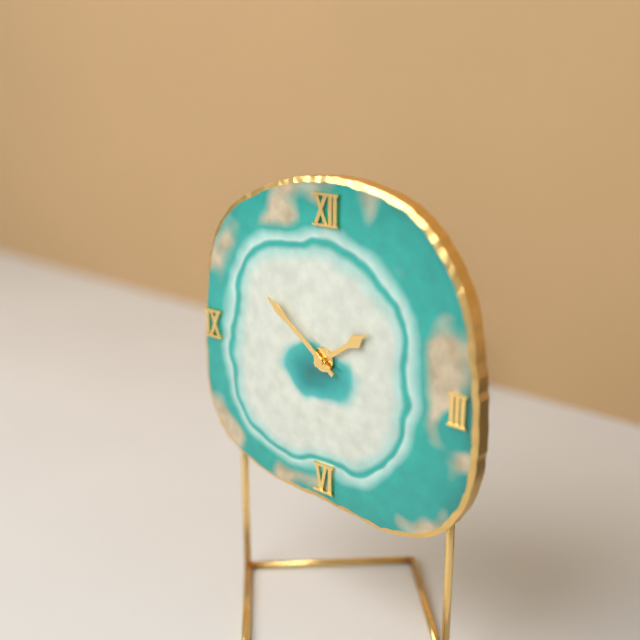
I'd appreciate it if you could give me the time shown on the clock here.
1:51
